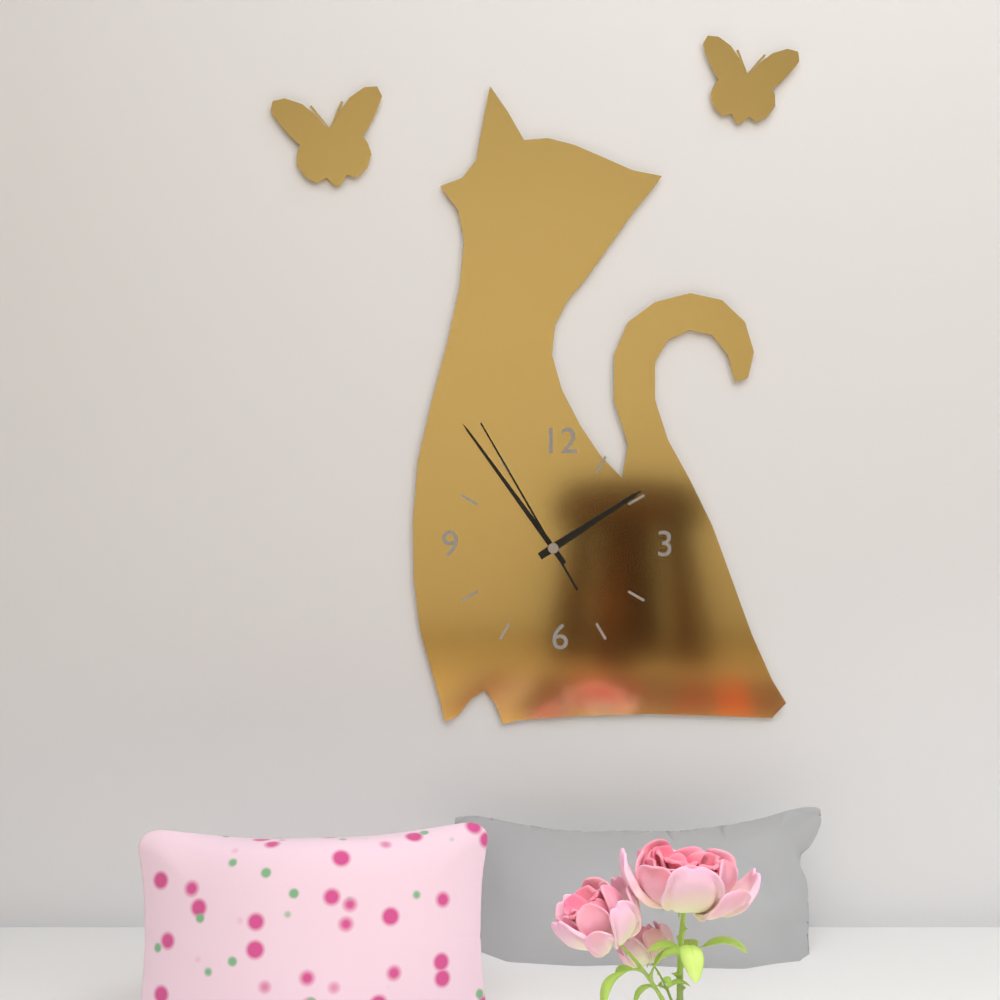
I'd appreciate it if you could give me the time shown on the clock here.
1:54:55
